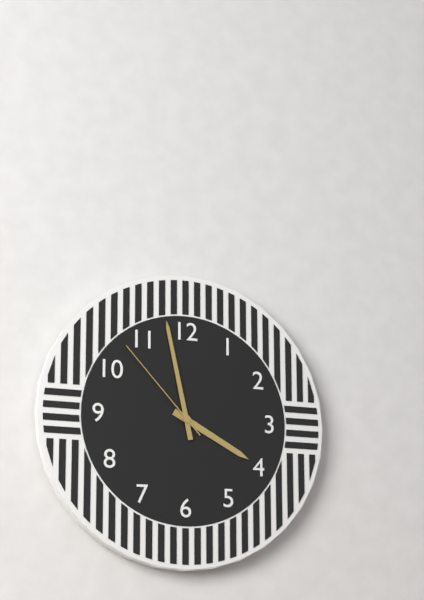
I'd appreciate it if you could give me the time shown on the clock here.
3:58:53
